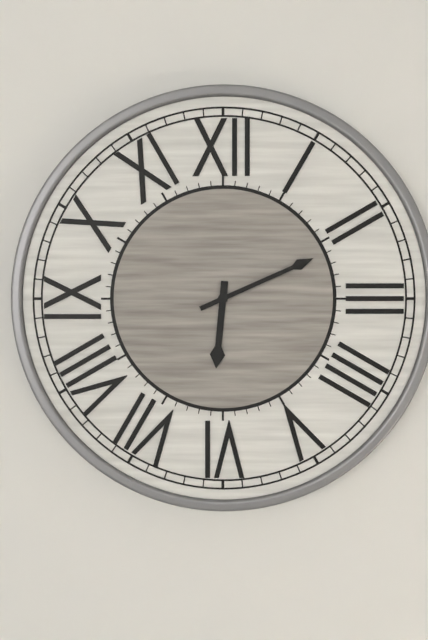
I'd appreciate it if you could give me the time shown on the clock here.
6:11
